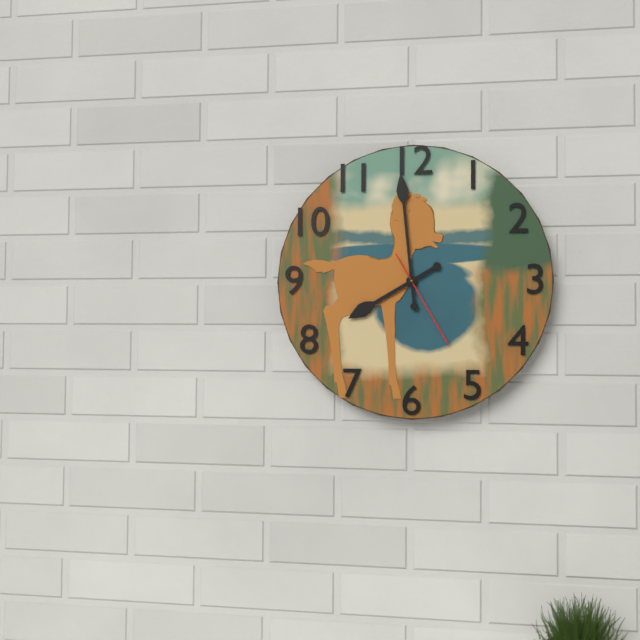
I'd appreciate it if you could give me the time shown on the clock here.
7:59:25
